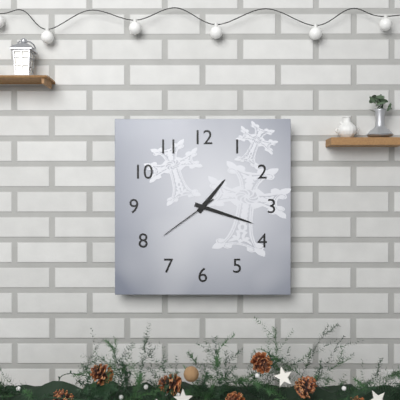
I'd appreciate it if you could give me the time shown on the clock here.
1:18:39
